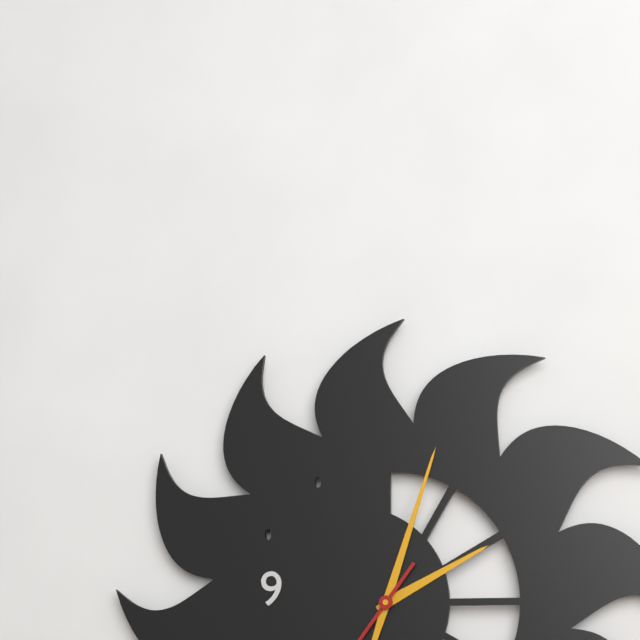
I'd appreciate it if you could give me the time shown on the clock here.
2:03
